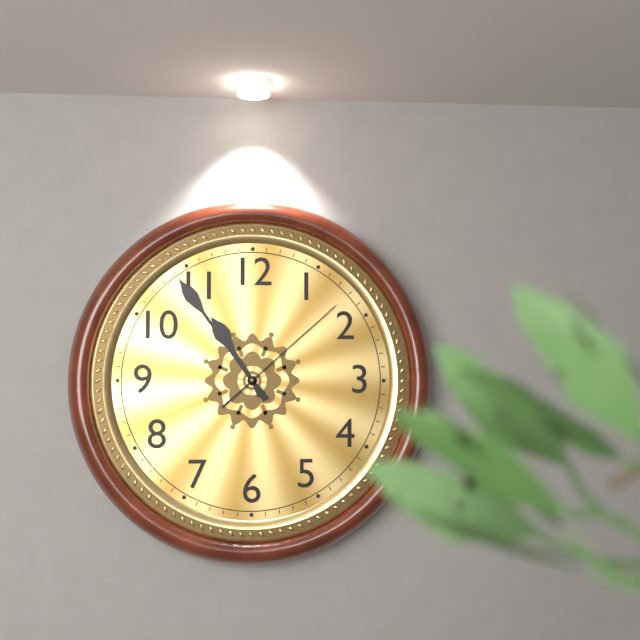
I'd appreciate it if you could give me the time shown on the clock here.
10:54:08
